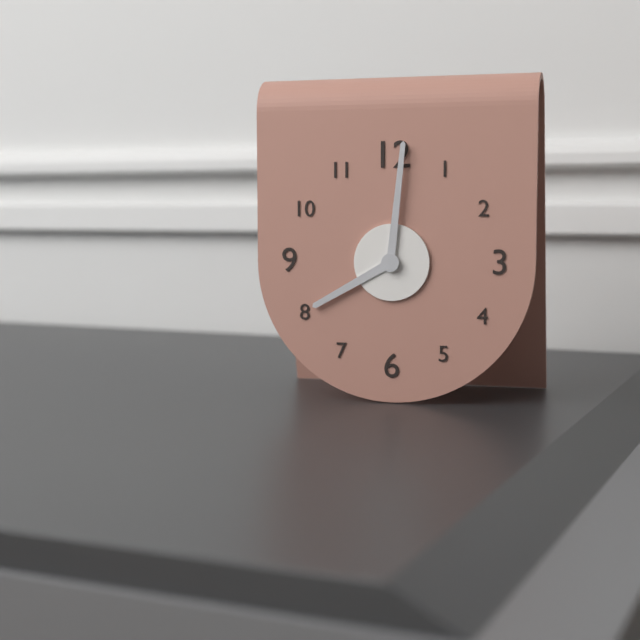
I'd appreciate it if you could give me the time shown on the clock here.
8:01
